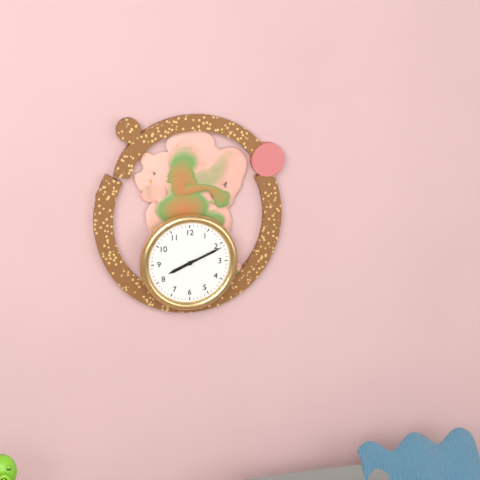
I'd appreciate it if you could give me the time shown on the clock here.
8:11
